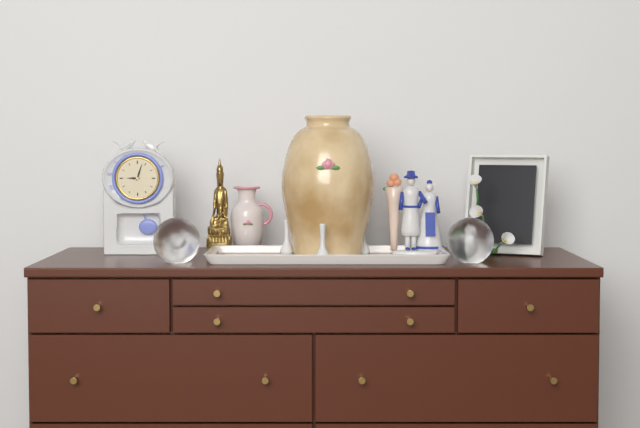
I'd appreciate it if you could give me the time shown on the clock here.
9:03
